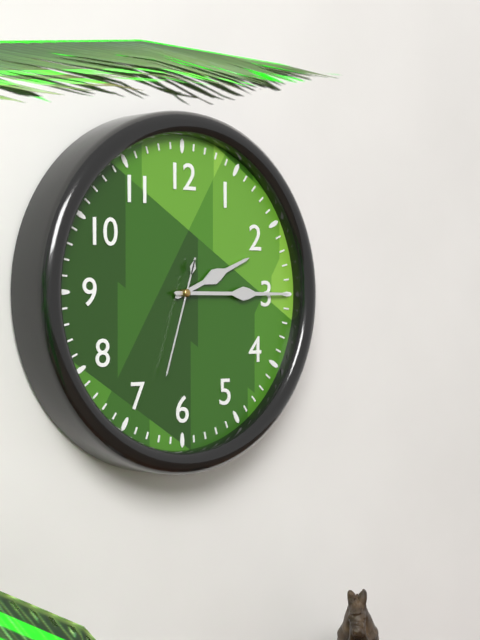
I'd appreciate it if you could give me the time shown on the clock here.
2:15:33
